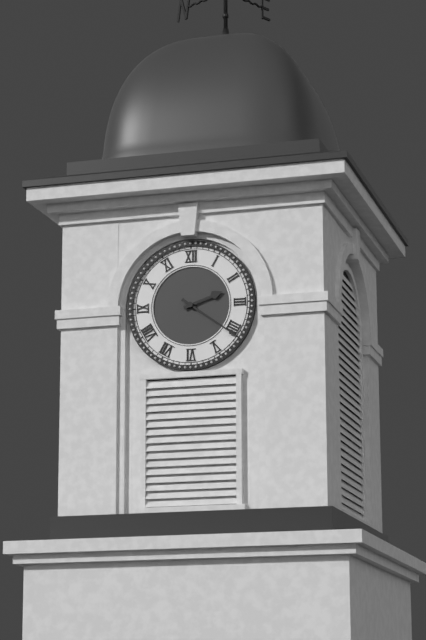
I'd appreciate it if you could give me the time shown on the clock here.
2:21
